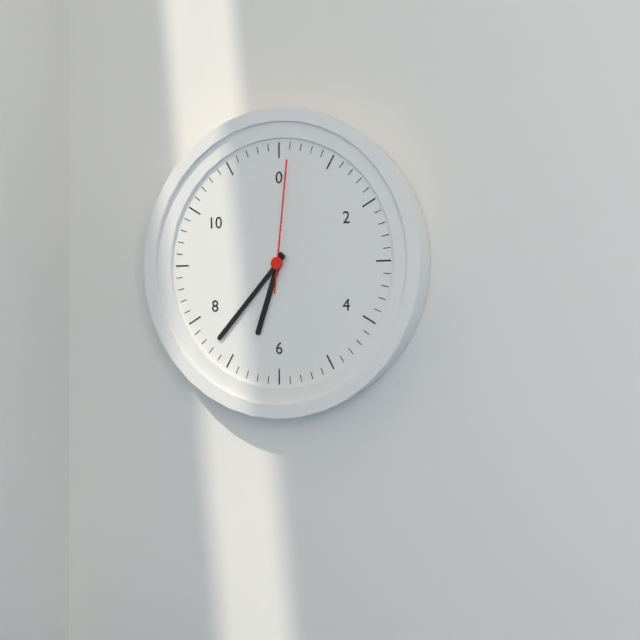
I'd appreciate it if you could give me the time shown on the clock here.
6:37:01
